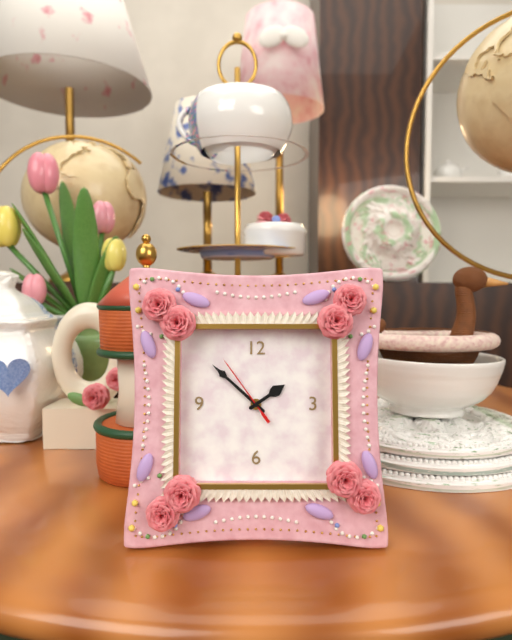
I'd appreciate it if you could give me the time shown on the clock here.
1:52:54
